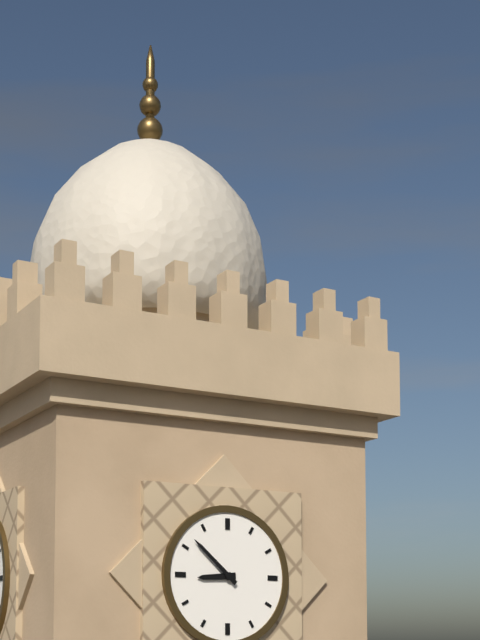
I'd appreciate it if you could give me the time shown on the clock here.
8:52
